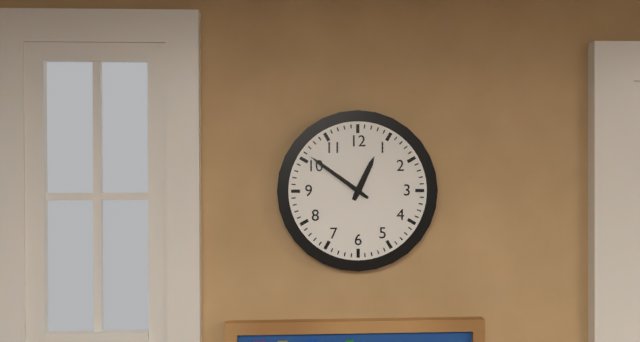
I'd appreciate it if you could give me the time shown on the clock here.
12:51
